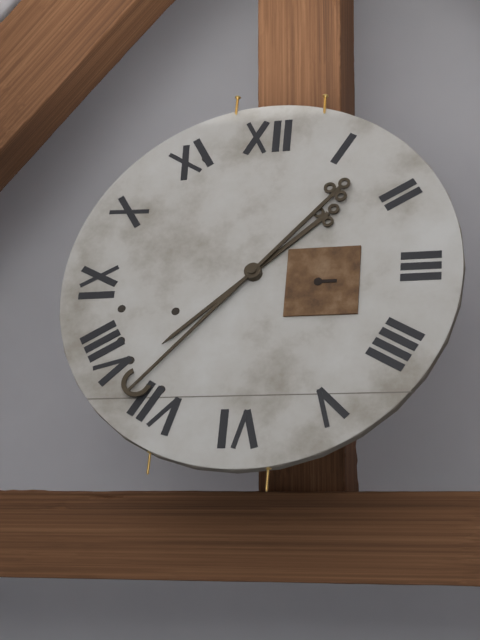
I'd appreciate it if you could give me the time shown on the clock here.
7:37
